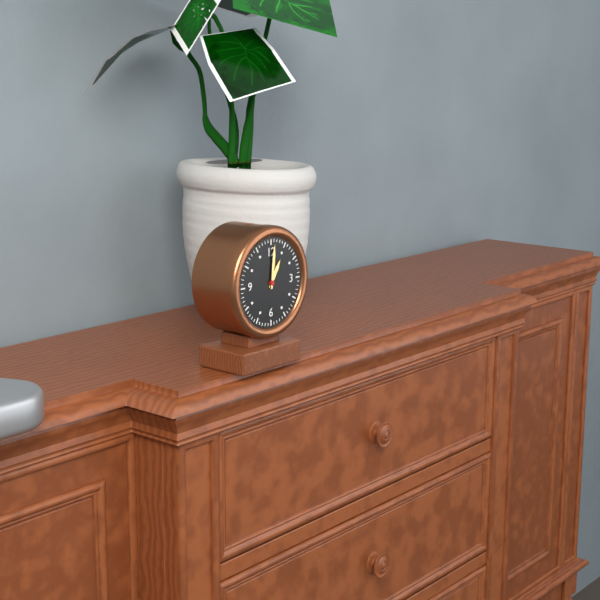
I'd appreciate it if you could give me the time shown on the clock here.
1:01
